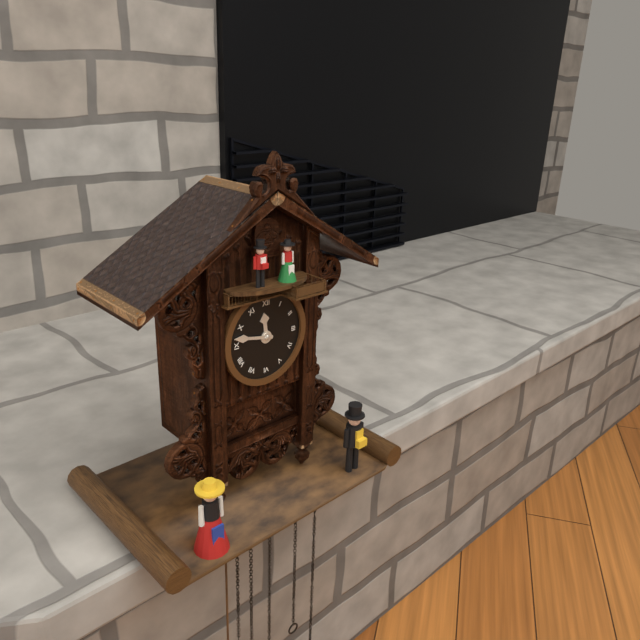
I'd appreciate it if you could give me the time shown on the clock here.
11:47
